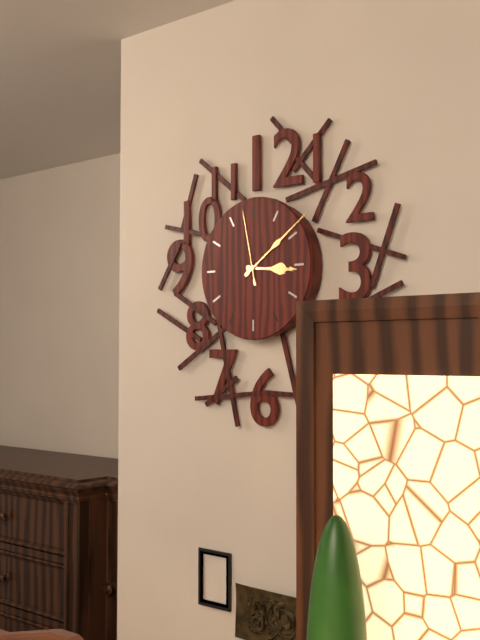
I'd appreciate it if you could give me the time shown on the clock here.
3:09:58
